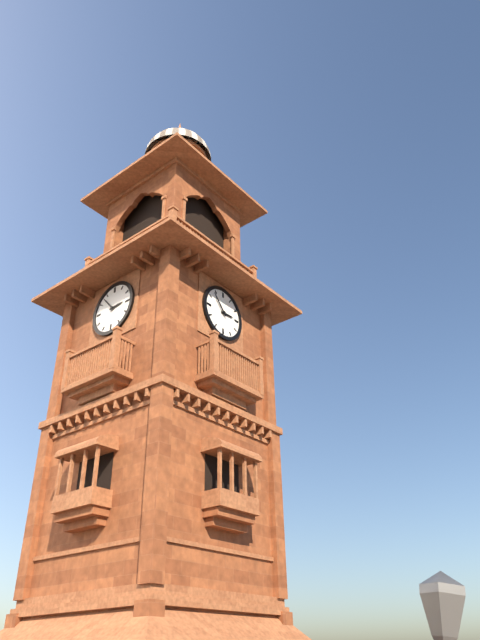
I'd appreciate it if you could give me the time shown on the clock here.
2:53
